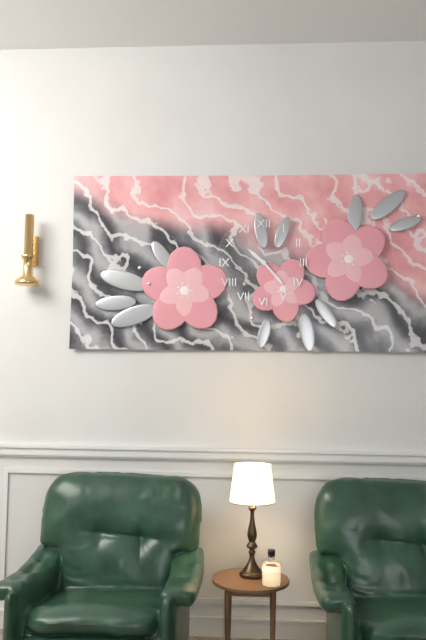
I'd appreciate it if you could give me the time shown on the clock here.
10:23
